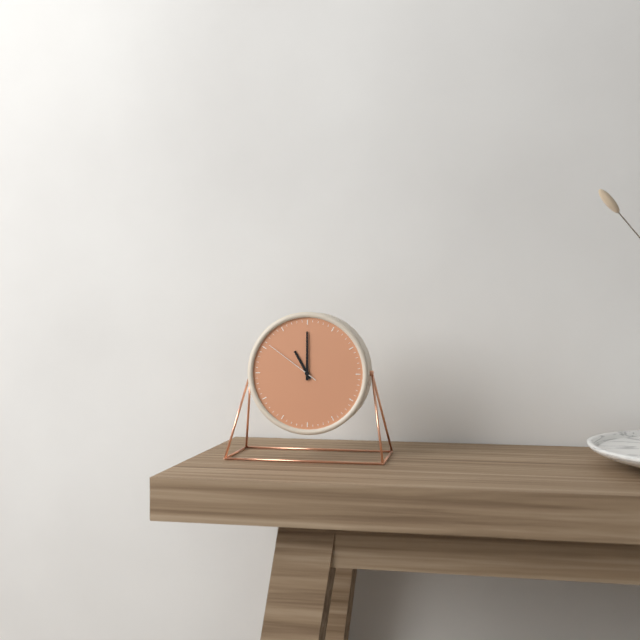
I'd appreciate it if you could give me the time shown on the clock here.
11:00:51
